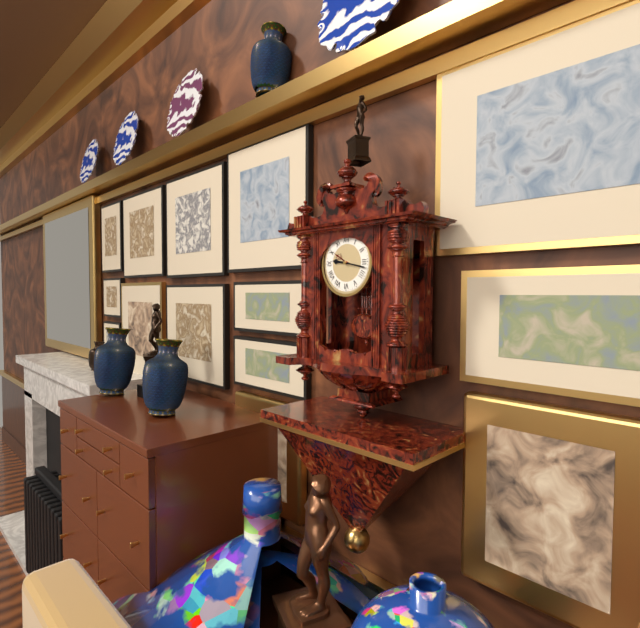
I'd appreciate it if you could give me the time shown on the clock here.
9:17
